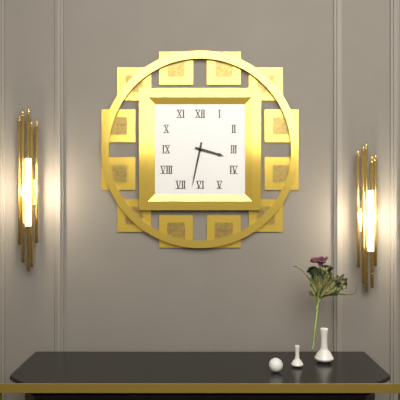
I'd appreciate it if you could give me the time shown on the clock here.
3:32
